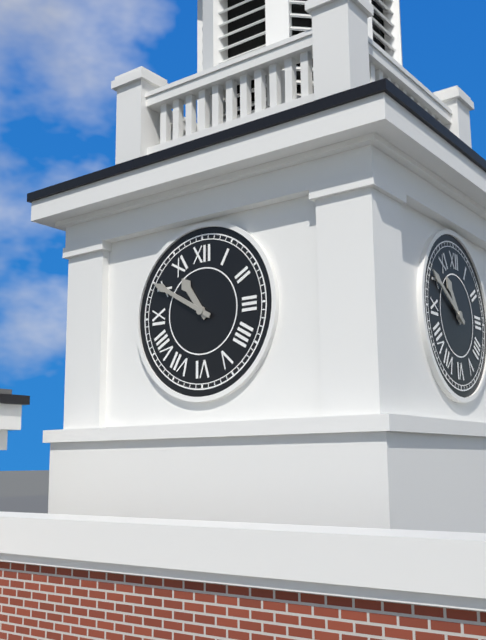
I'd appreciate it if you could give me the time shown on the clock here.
10:50
